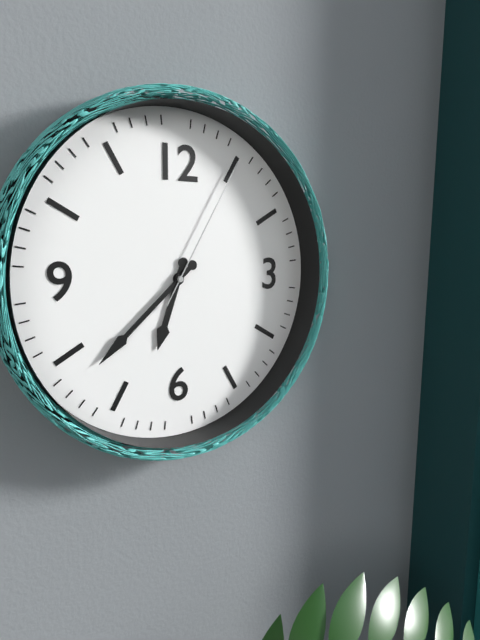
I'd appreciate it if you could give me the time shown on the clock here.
6:38:05
